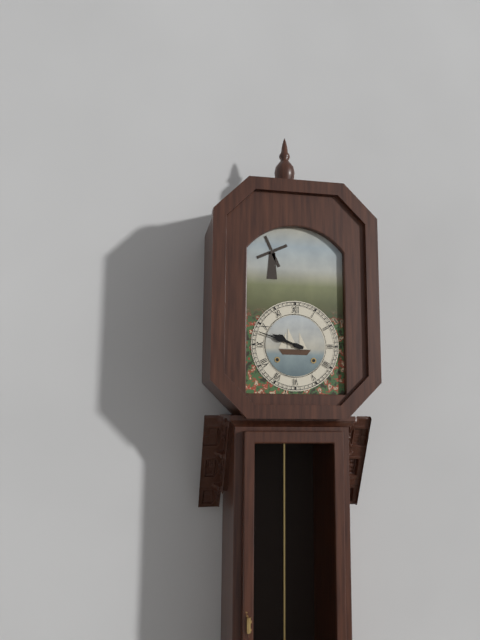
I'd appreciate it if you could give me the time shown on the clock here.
9:48
